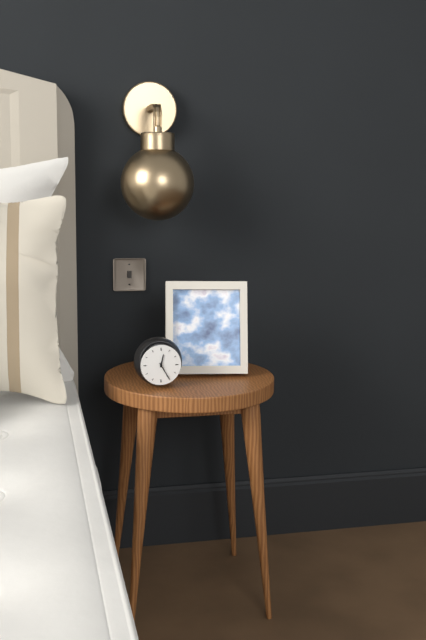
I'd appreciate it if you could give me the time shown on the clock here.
12:25
